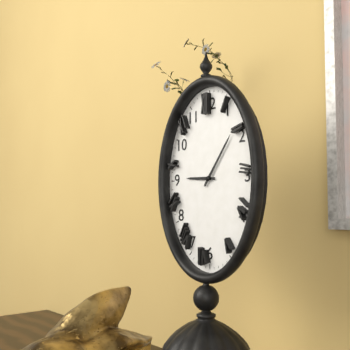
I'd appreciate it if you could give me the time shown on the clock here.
9:06
